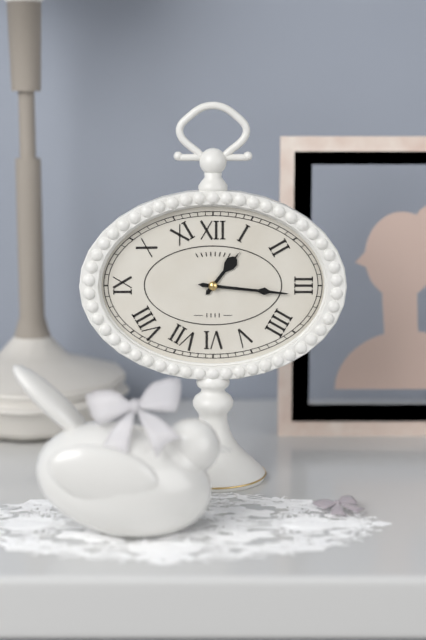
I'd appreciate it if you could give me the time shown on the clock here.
1:16
